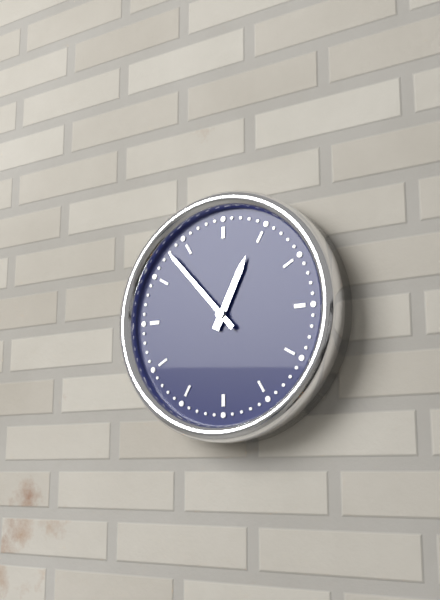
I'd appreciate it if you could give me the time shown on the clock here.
12:53
